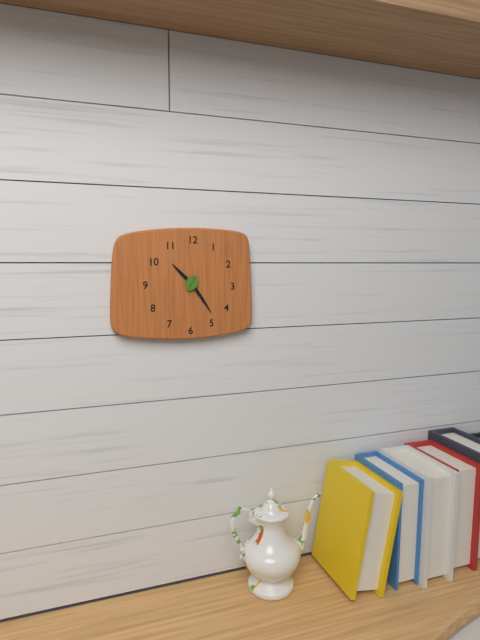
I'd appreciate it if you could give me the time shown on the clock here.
10:24
